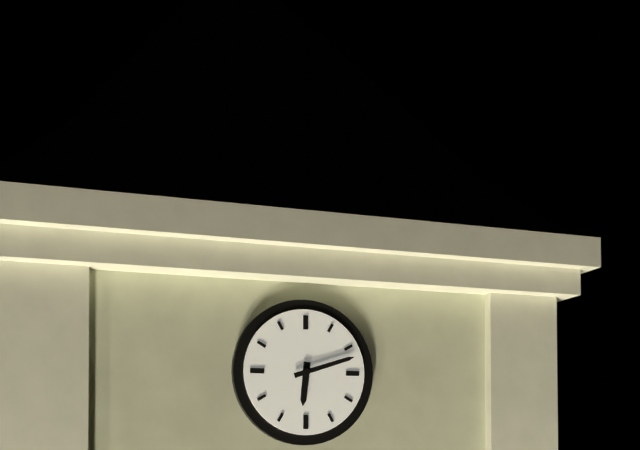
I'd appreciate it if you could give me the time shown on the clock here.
6:12
